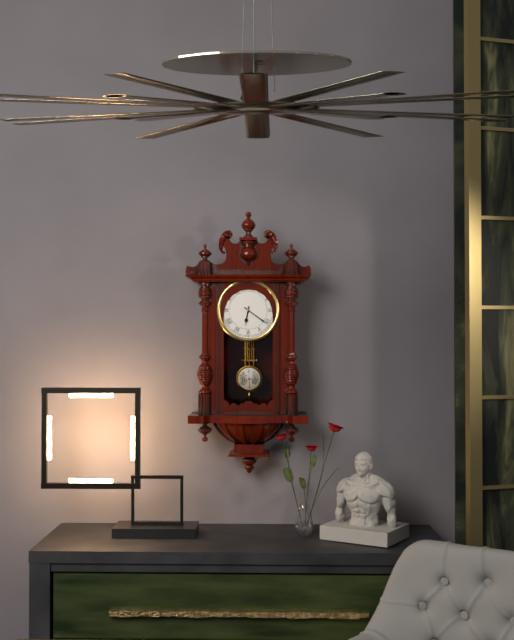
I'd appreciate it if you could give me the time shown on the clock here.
6:21
